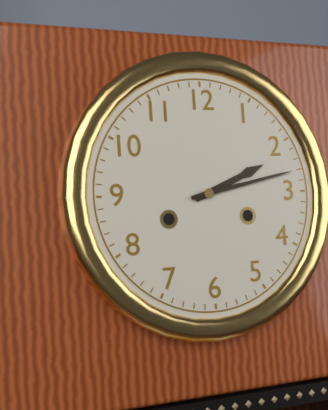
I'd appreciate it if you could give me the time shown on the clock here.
2:13
